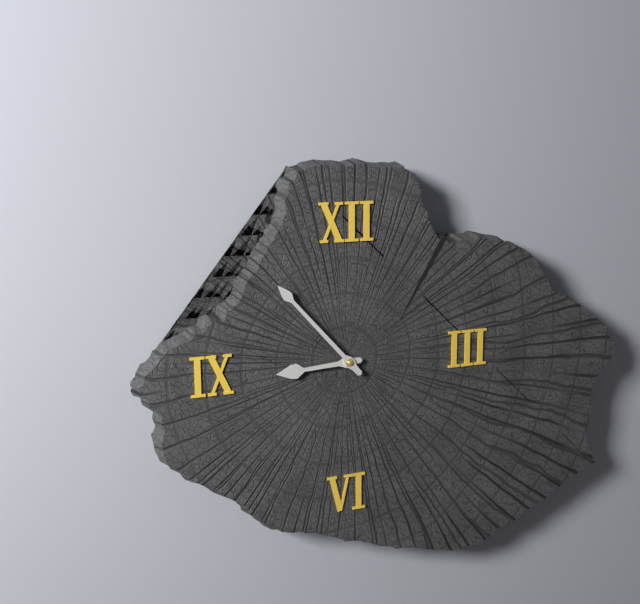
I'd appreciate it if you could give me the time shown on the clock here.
8:53
